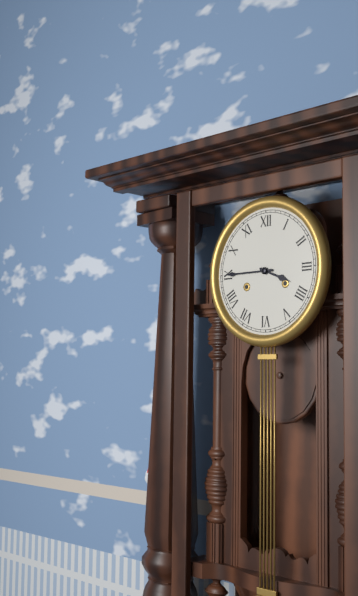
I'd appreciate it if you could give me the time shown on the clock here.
3:45
